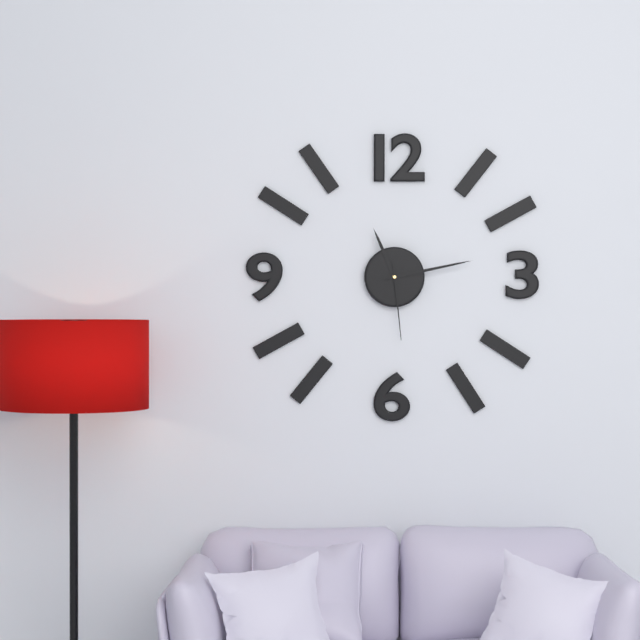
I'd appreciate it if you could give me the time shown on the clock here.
11:13:29
